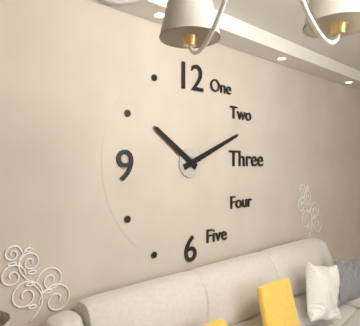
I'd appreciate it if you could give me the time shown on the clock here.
10:11
